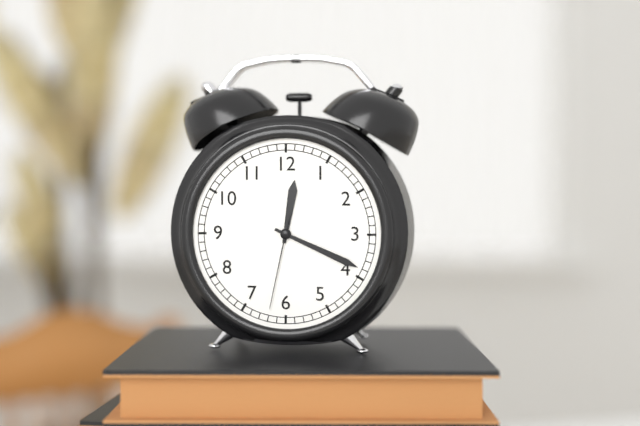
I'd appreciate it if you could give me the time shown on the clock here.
12:19:32
